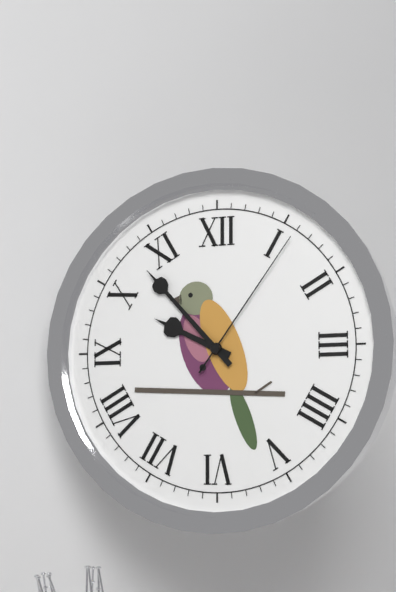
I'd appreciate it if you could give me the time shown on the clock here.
9:53:06
